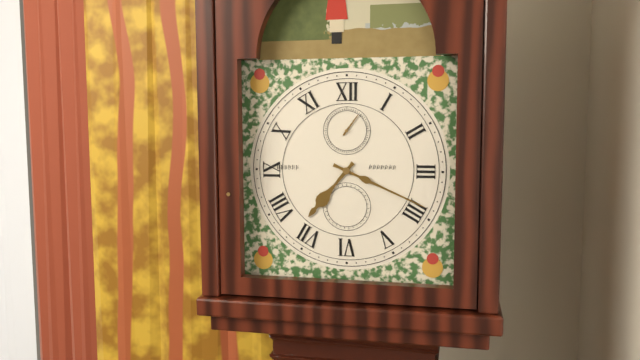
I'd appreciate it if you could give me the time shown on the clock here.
7:19
